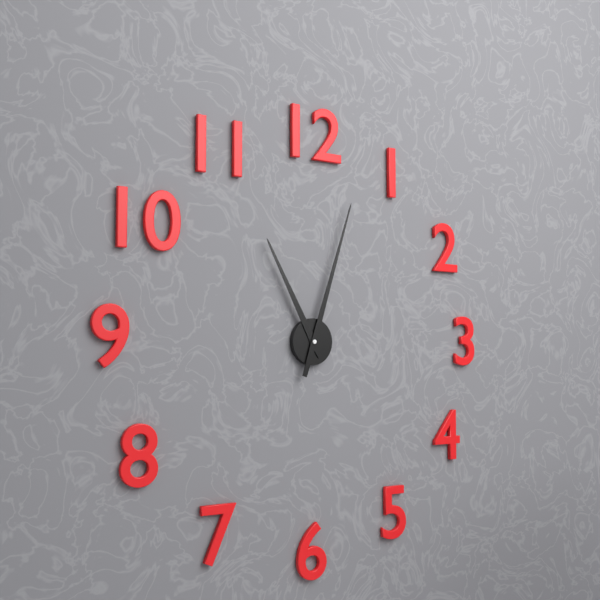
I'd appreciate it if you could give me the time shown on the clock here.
11:03
